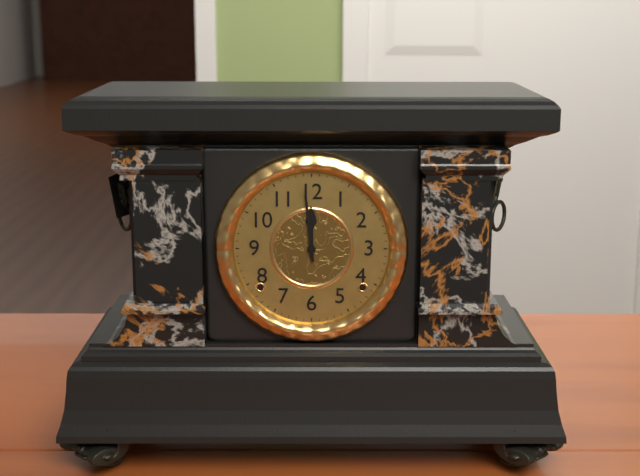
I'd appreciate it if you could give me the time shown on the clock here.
11:59
